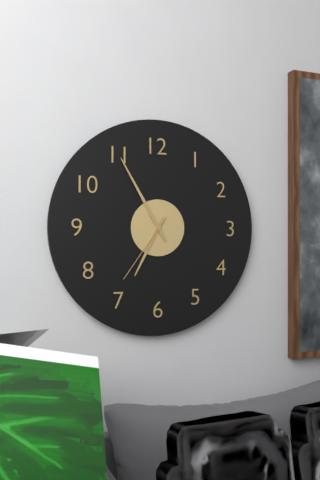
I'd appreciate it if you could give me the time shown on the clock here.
6:55:36
